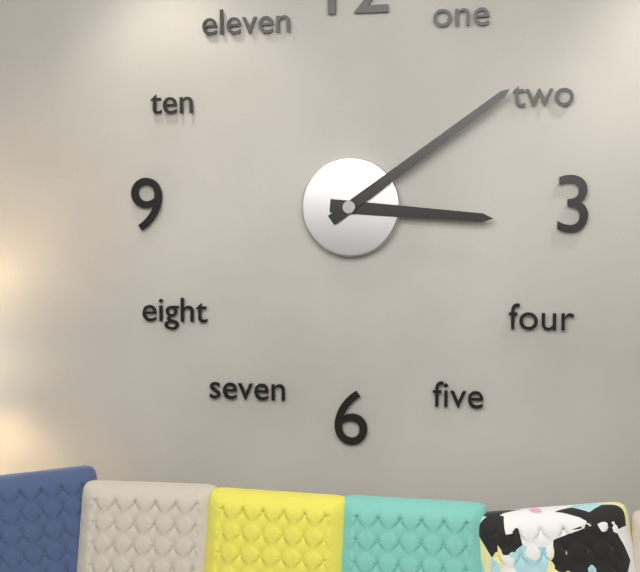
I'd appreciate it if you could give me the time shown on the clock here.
3:09
